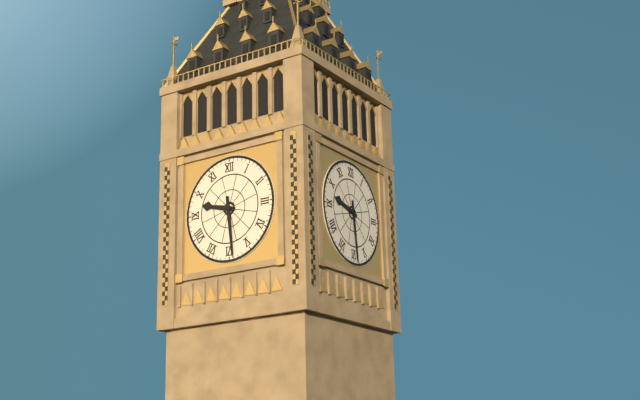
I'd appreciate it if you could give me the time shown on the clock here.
9:29
